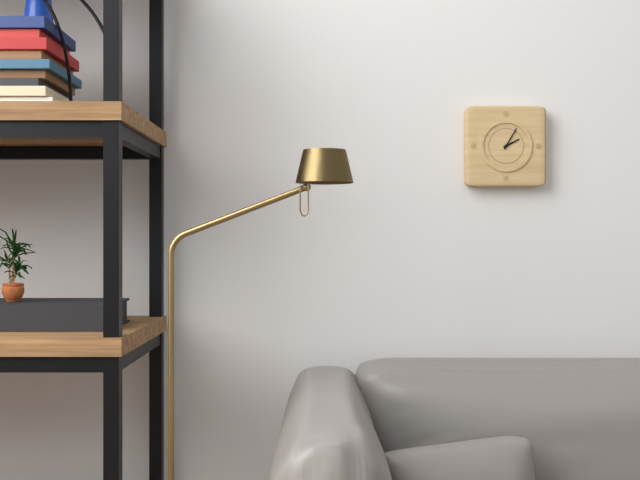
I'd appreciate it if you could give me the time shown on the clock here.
2:05
